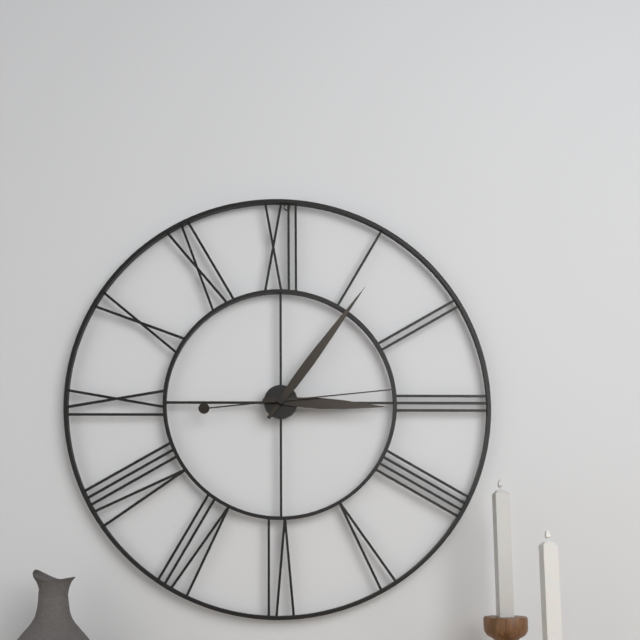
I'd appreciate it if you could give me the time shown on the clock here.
3:06:14
